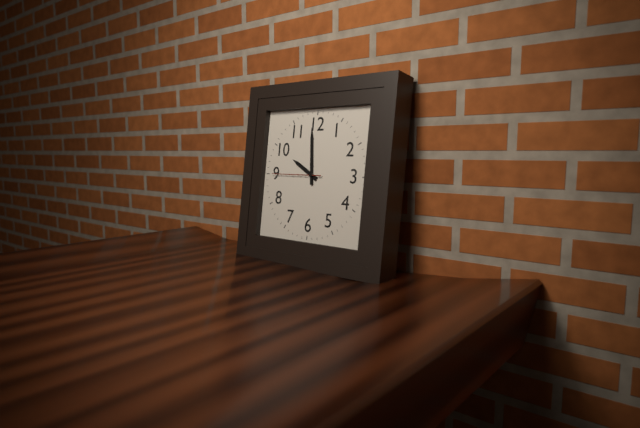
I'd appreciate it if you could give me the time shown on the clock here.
9:59:45
